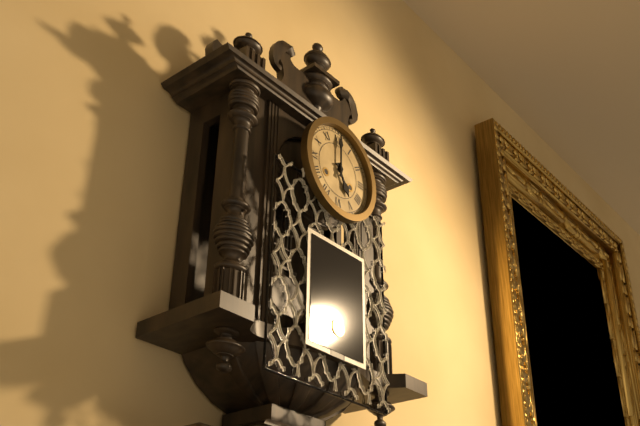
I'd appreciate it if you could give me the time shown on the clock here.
5:00
